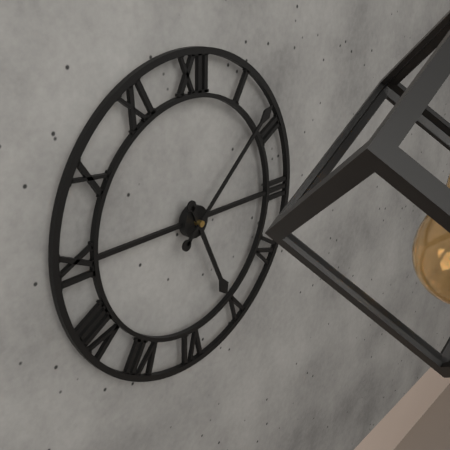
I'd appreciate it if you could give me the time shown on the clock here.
5:08
